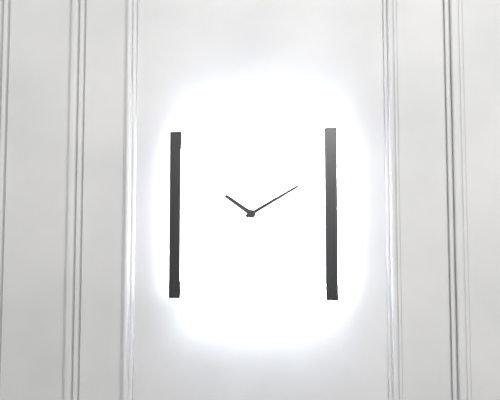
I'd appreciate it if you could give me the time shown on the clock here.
10:10
